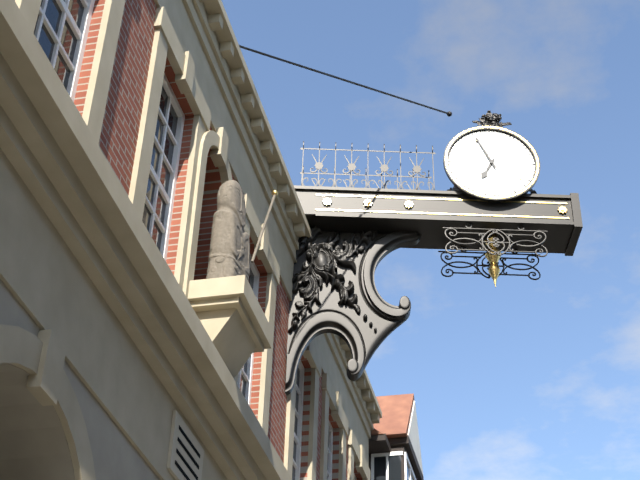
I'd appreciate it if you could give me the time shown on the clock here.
6:56
